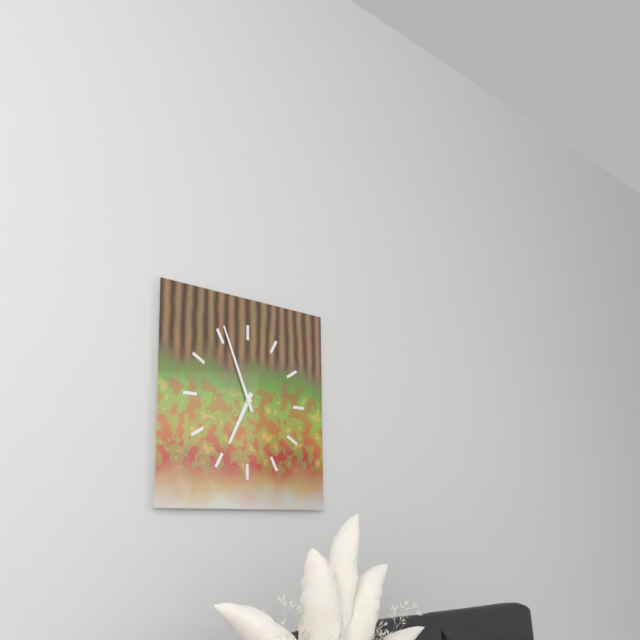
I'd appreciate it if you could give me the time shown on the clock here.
6:56
